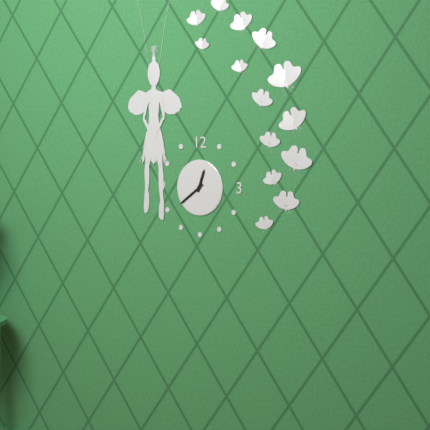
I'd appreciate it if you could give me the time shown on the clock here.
12:39
